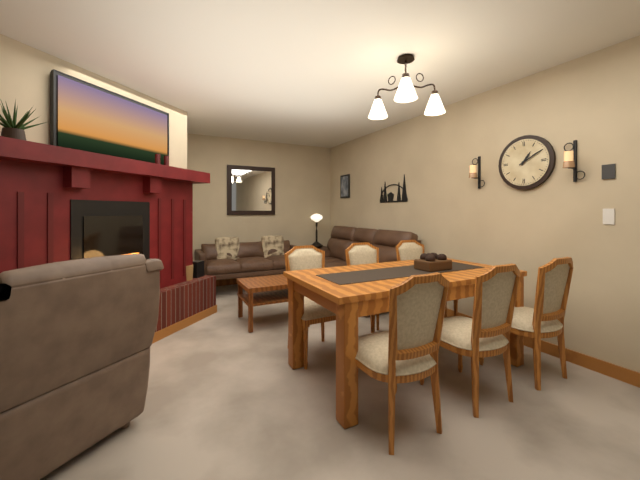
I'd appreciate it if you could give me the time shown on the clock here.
1:10
